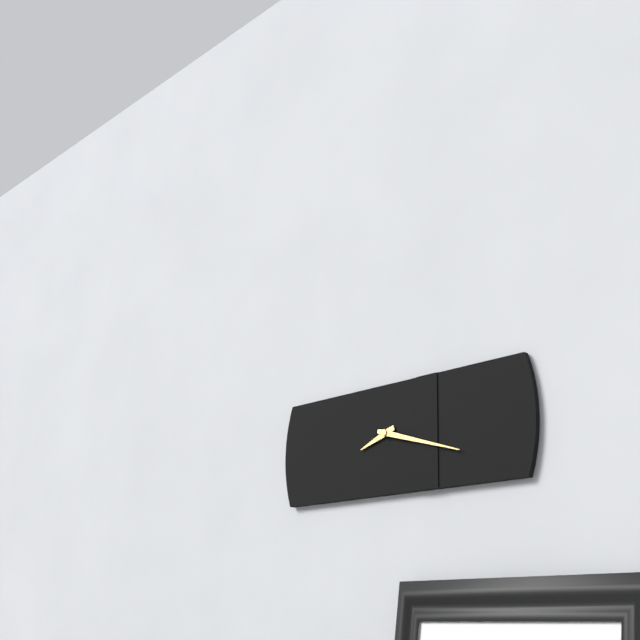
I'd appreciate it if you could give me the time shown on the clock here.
8:18
